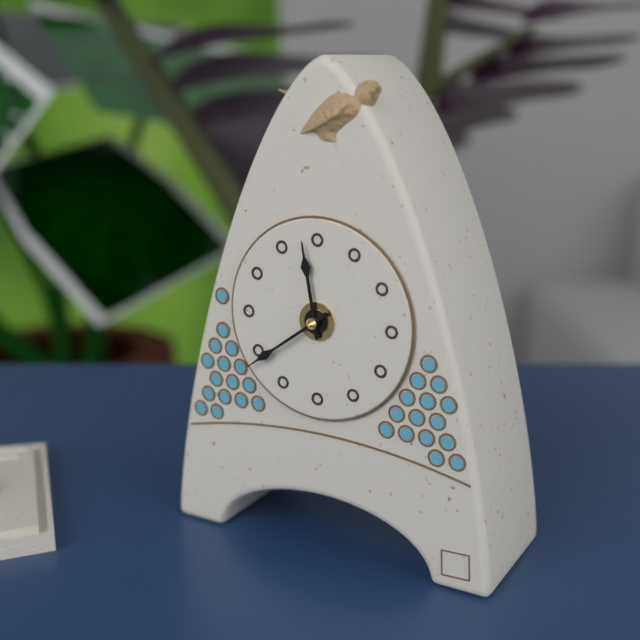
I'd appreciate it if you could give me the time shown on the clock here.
11:39
